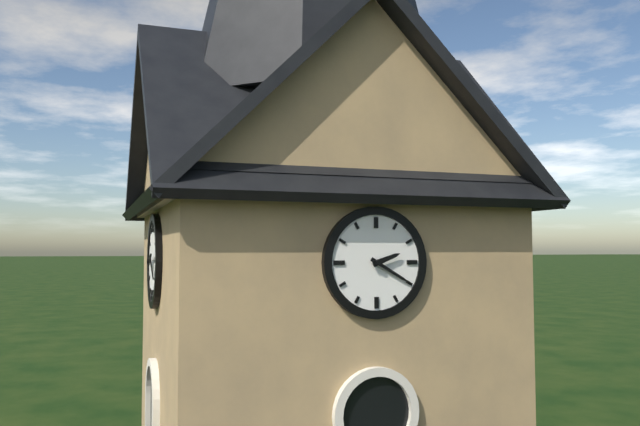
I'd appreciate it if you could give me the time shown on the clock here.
2:20
